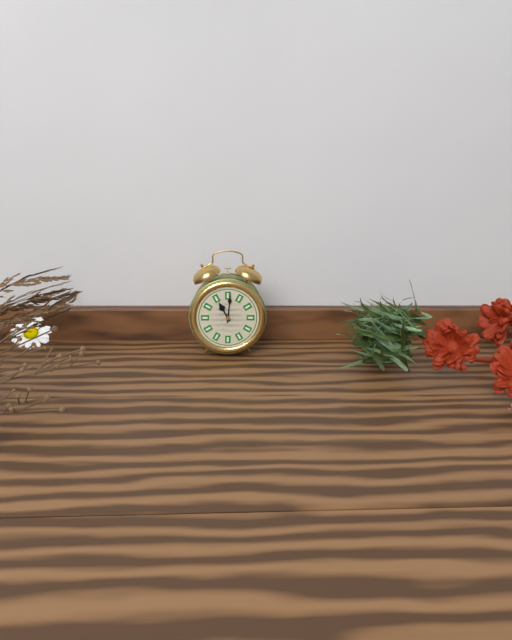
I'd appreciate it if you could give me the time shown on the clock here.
11:01
